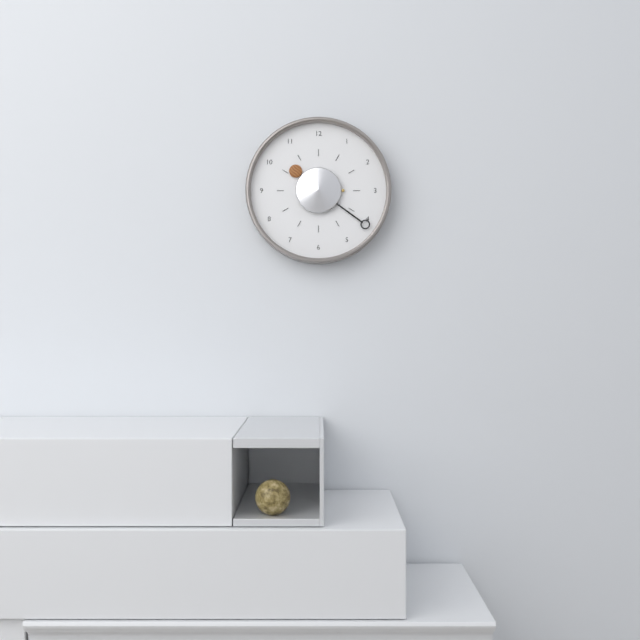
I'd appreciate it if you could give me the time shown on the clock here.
10:21
